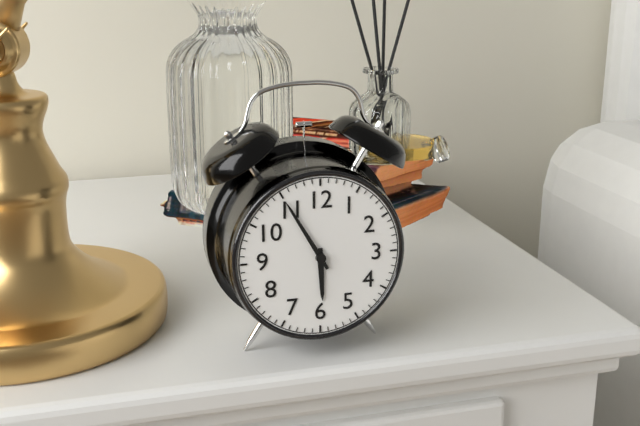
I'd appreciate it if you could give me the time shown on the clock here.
5:55
